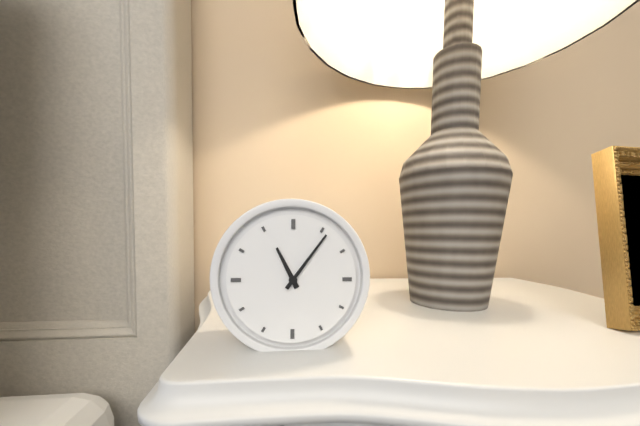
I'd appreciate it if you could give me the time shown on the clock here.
11:06
